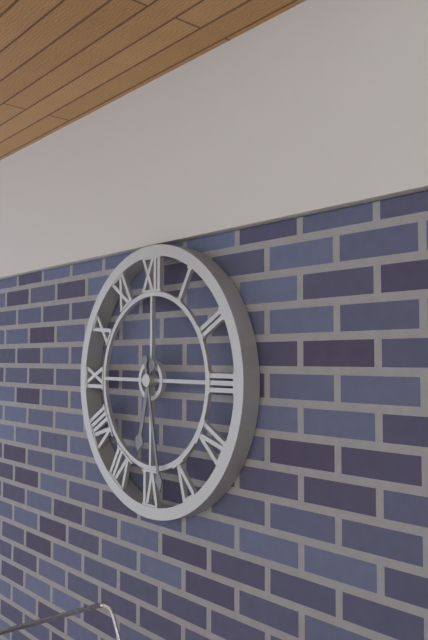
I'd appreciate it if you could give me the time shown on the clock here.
6:28
